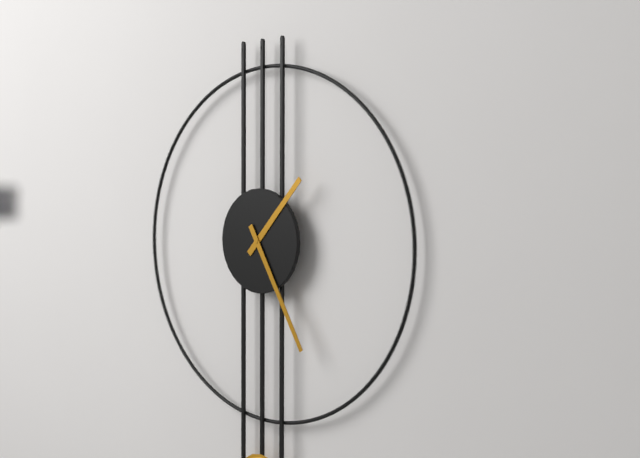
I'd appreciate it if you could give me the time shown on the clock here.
1:25
